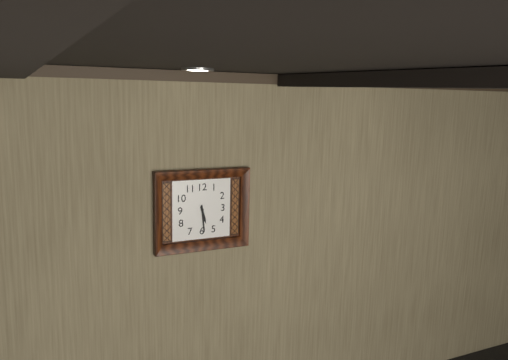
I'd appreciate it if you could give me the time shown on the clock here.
5:29
